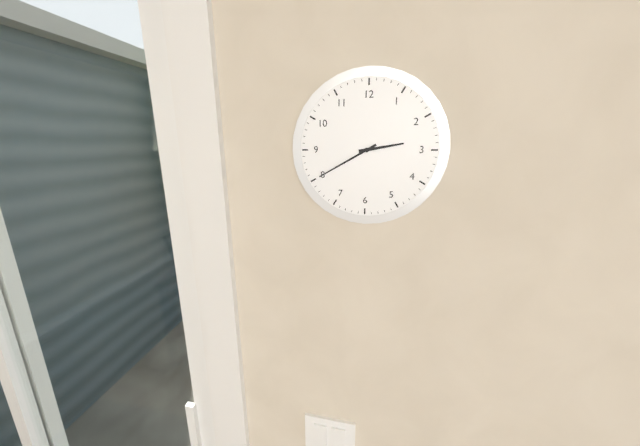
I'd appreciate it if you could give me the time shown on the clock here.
2:40
